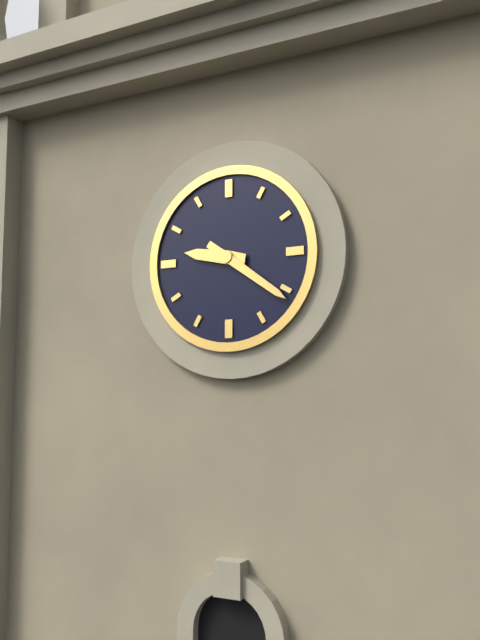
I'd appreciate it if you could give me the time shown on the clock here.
9:21
